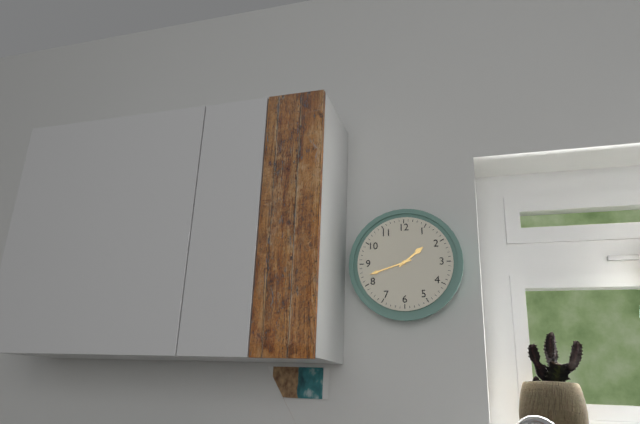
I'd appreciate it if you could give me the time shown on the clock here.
1:42
